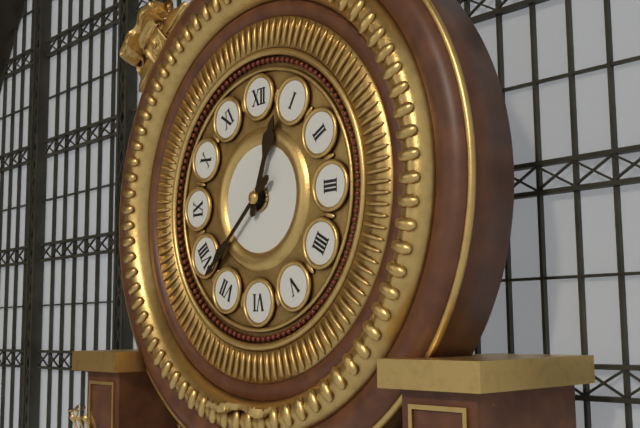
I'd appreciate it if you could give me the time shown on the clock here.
12:38
